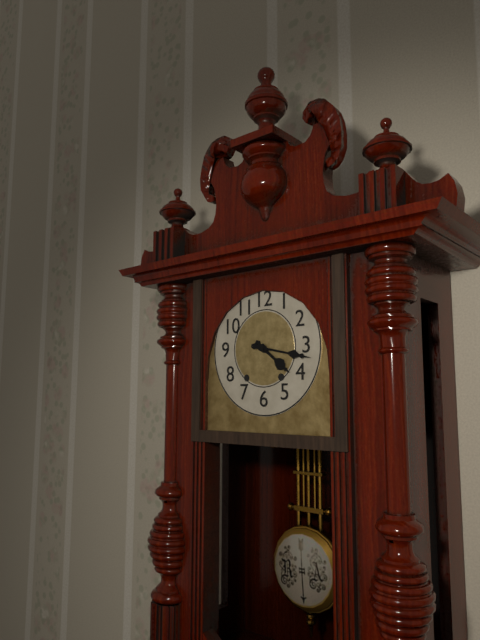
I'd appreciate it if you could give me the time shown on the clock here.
4:17
